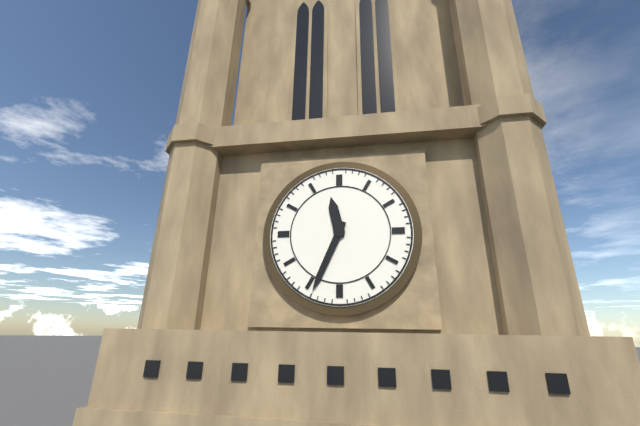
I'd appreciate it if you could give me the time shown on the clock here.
11:34
